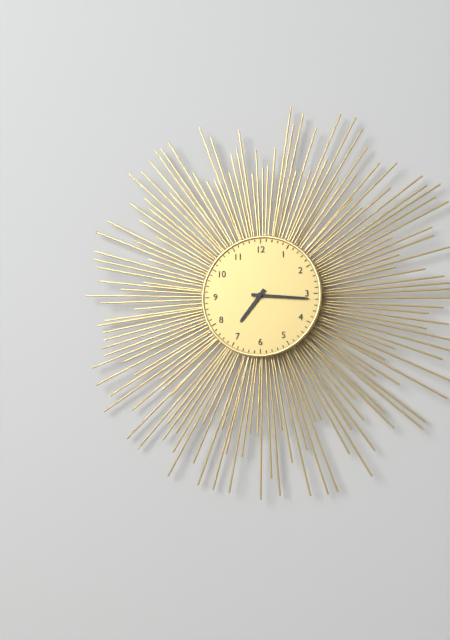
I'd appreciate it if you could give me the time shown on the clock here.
7:16
